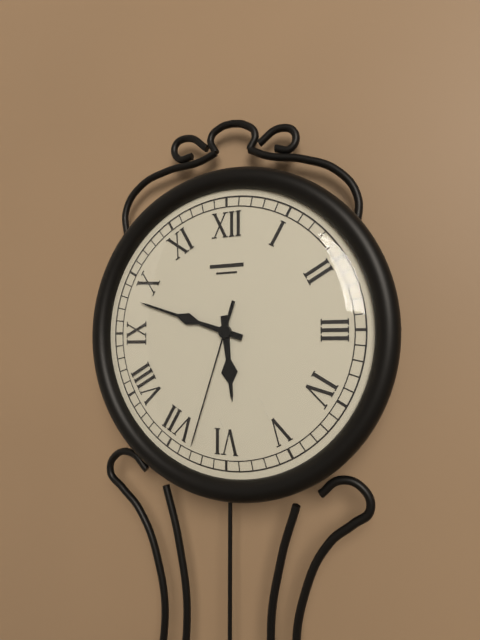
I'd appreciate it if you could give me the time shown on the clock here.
5:48:33
